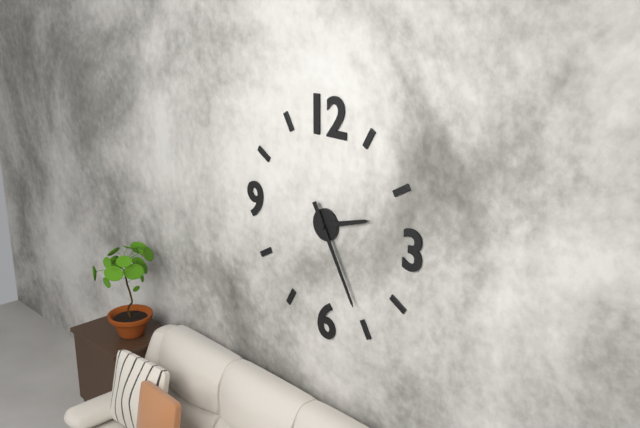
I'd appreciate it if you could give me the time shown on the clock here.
2:25
